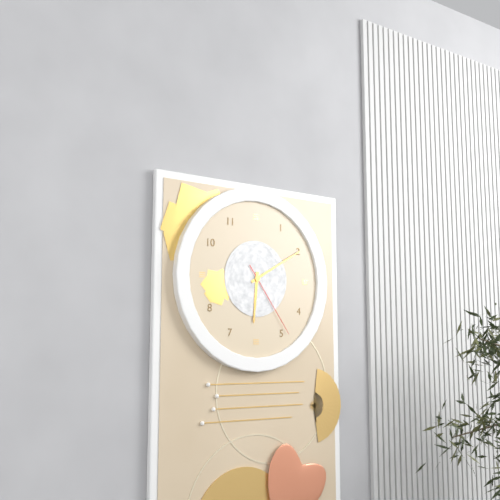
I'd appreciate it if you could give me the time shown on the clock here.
6:10:24
